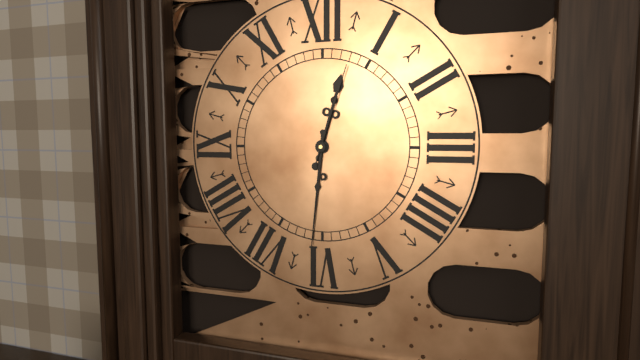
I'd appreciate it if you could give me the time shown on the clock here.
12:31:03
